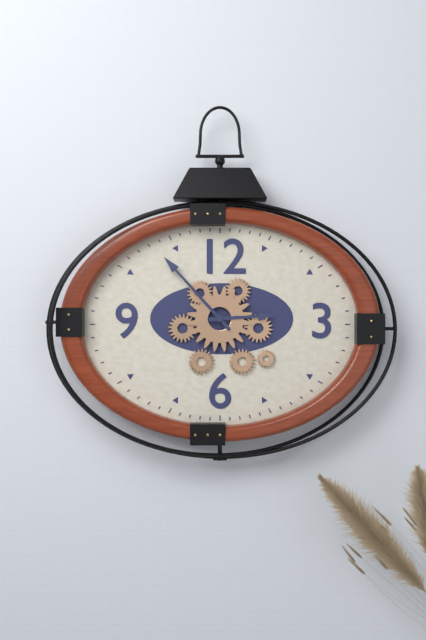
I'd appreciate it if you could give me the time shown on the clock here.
2:53
